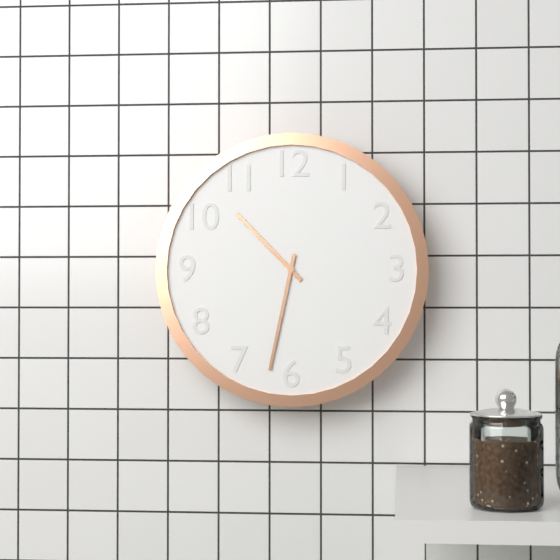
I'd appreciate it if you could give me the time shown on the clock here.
10:32
